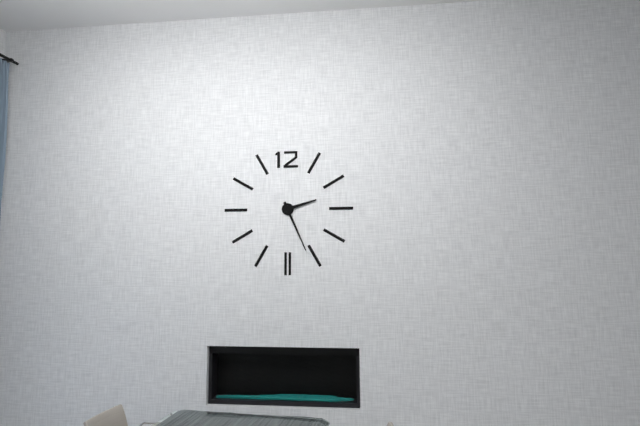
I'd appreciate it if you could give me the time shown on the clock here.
2:26
